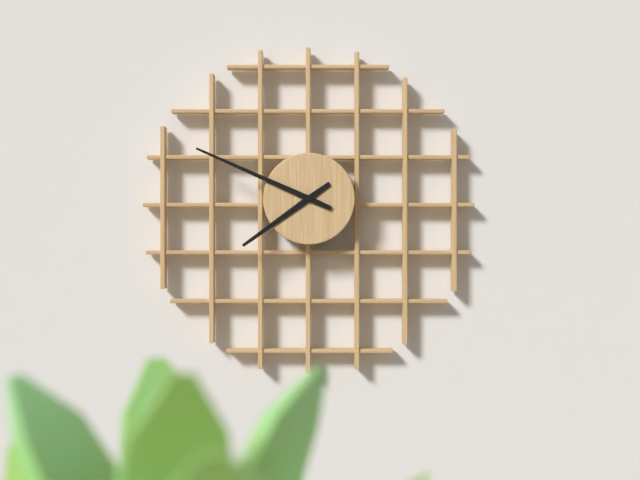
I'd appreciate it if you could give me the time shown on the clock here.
7:49
